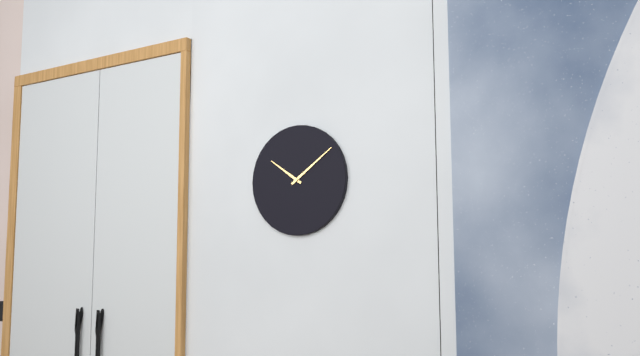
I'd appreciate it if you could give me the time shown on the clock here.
10:09
